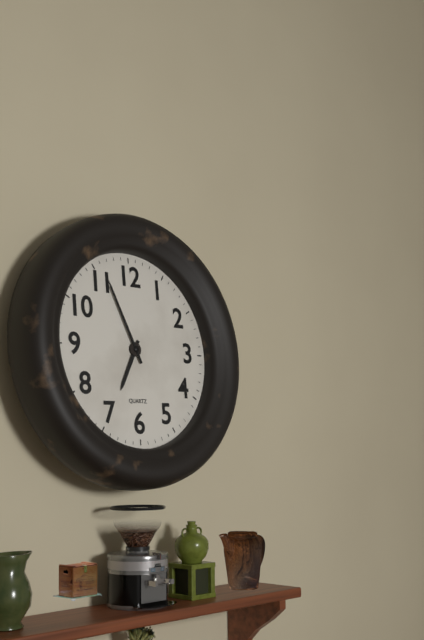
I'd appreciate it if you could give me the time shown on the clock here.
6:56
